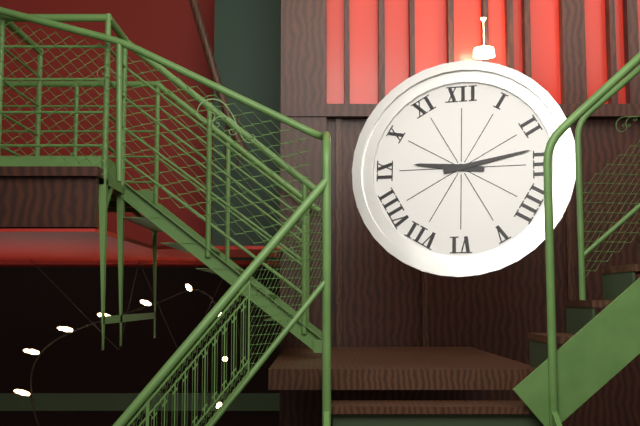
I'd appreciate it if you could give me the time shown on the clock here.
9:13
